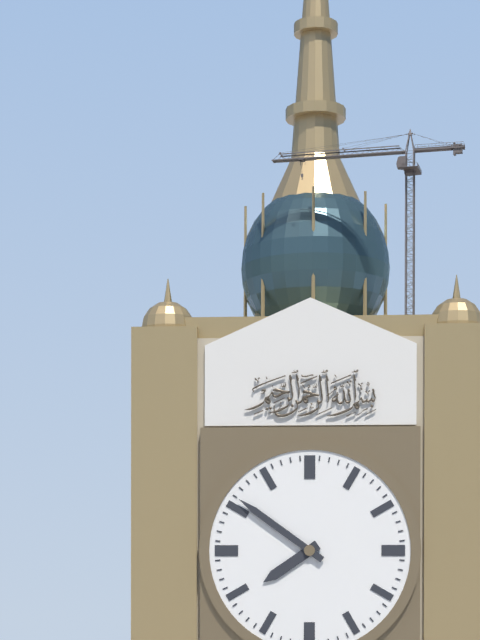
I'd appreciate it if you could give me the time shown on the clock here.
7:51
